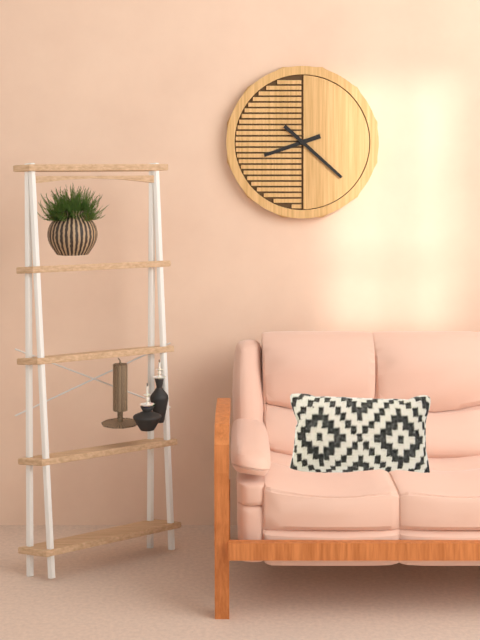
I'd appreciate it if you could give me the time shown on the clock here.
8:22
